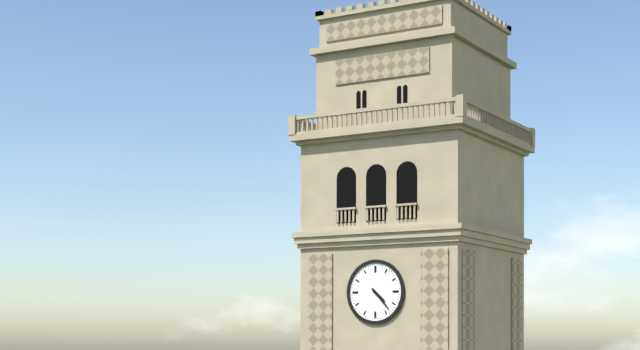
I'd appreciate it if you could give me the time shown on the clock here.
4:23
